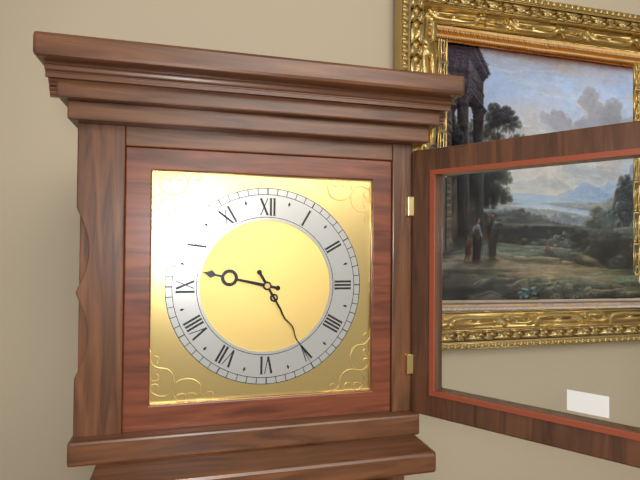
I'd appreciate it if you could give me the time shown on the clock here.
9:25
